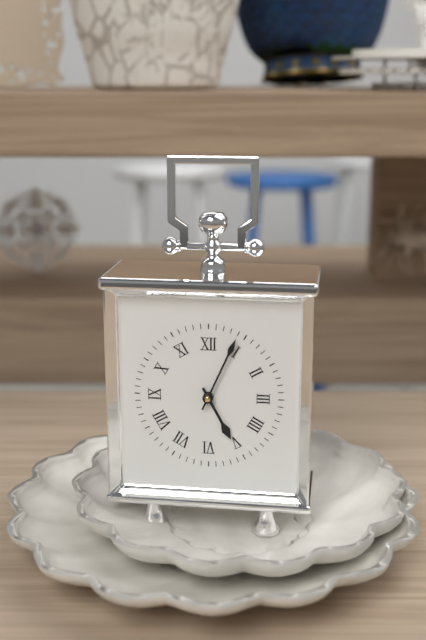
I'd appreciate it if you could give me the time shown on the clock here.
5:04
